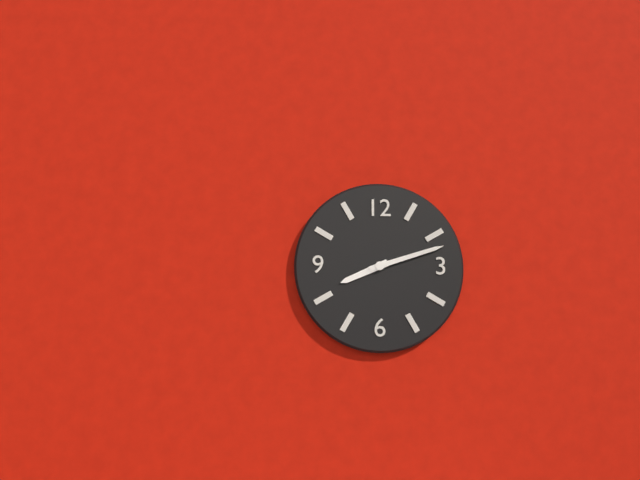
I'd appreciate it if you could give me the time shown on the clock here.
8:12
